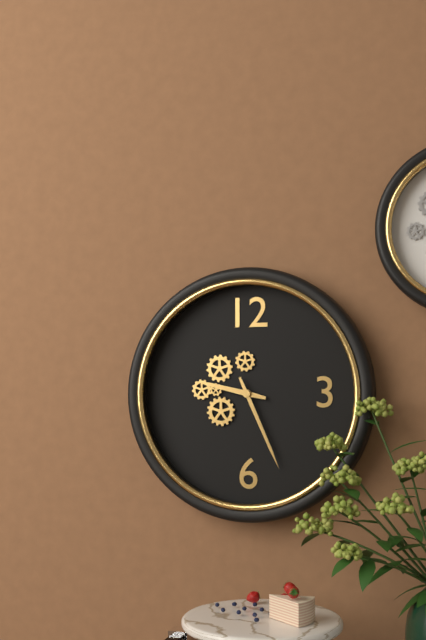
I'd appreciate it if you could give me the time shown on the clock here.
9:26
